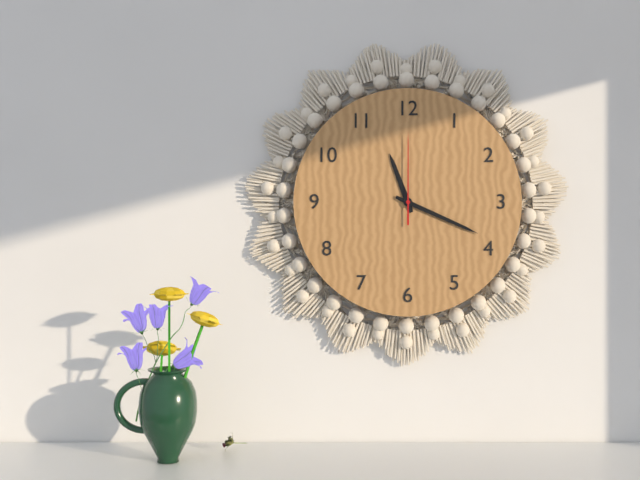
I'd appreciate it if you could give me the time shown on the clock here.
11:19:00
